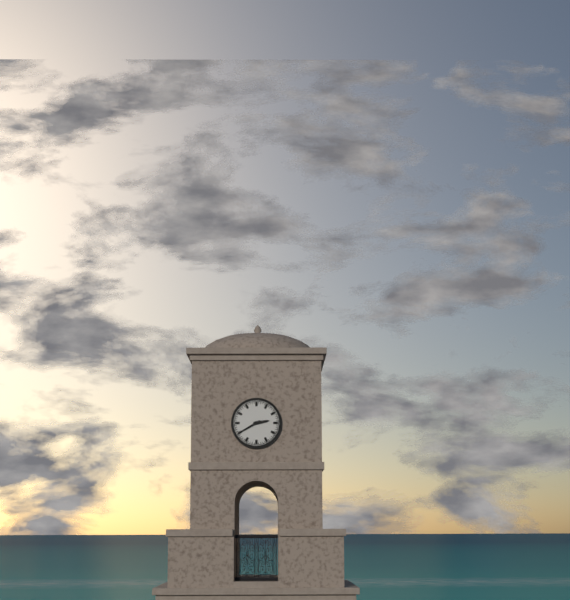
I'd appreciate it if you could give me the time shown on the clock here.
2:40
